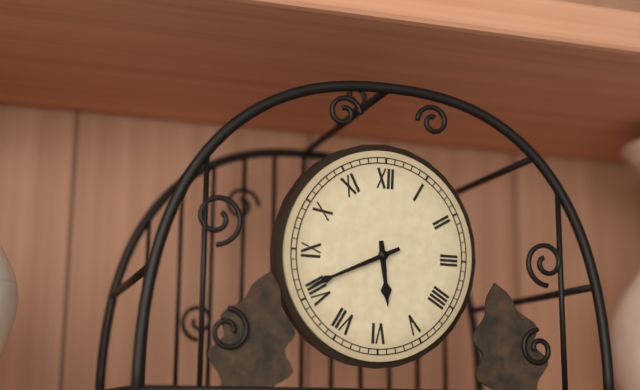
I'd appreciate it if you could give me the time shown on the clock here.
5:41
